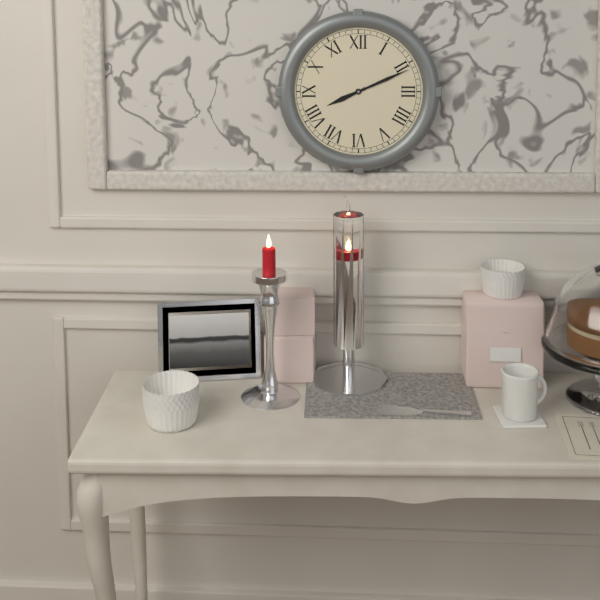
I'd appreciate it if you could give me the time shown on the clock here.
8:11
